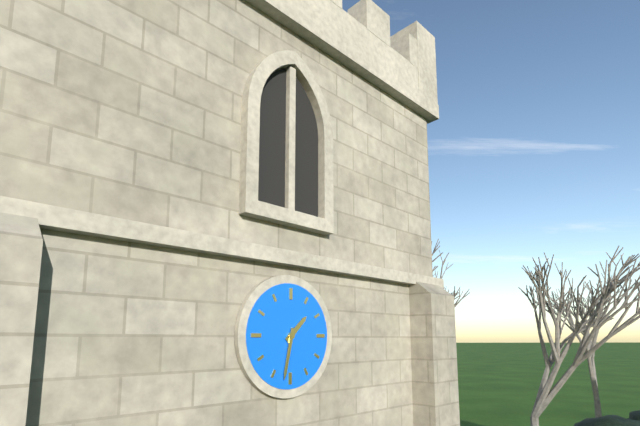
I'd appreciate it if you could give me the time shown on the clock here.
1:32
